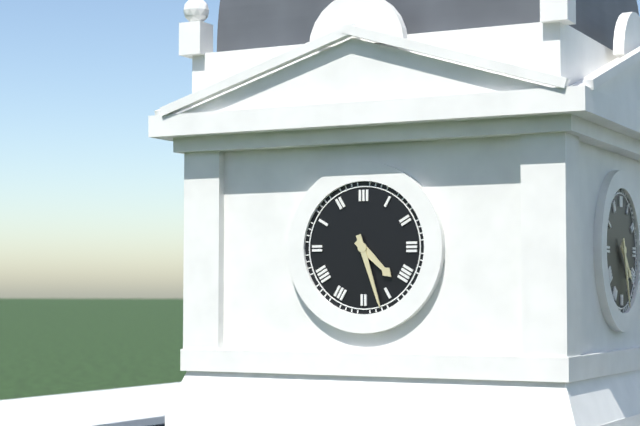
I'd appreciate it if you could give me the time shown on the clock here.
4:27
